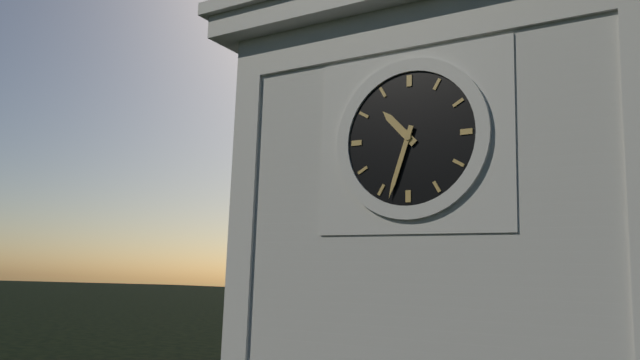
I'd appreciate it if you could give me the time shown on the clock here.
10:33
